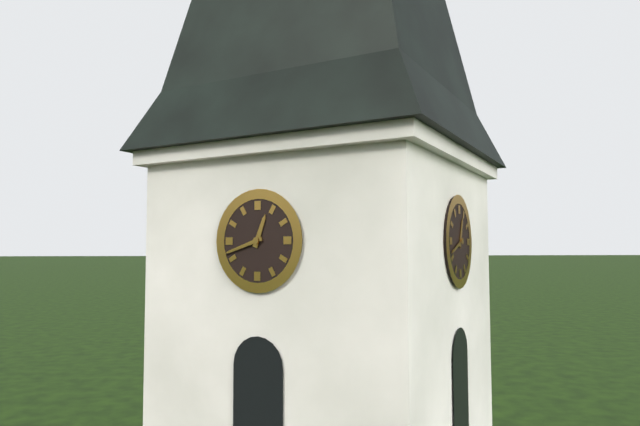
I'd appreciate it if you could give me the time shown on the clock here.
12:42
